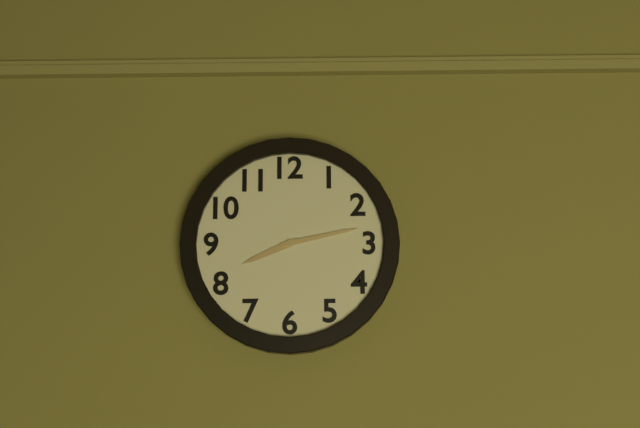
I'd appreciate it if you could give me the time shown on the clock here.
8:13
